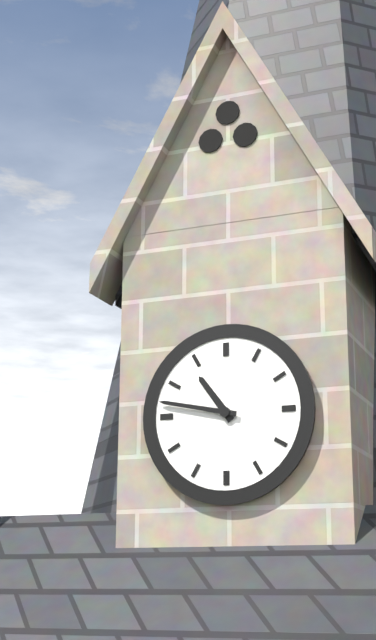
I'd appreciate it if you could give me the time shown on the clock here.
10:47
